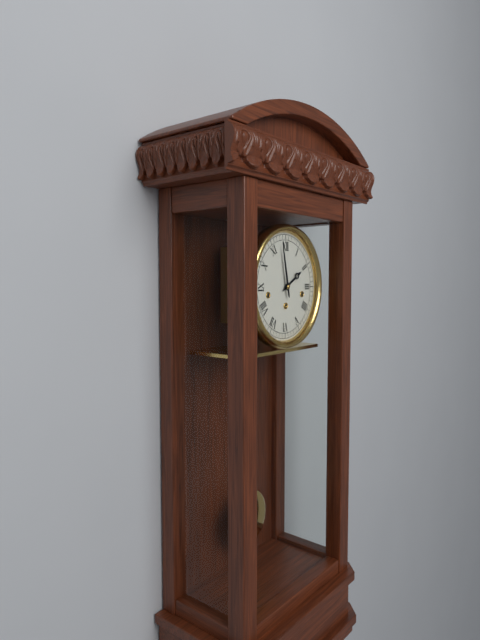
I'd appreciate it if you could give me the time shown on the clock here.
1:58
